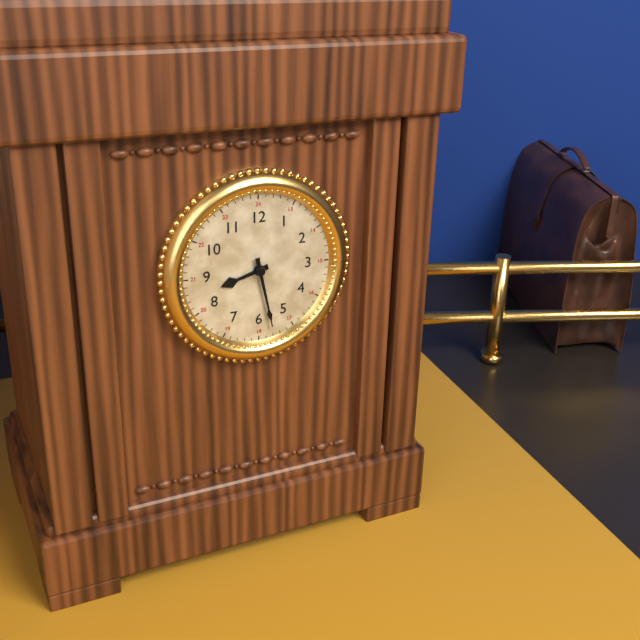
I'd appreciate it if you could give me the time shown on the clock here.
8:28
